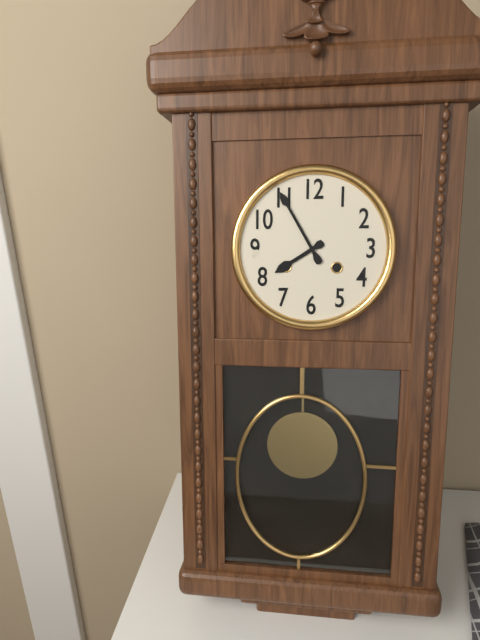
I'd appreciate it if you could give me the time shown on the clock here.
7:55
